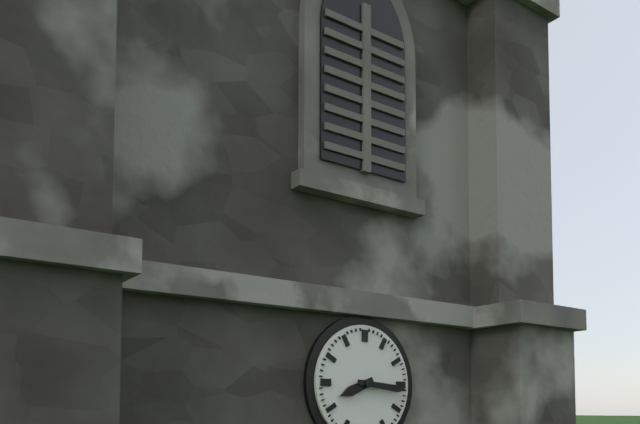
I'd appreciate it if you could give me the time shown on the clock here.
8:16
